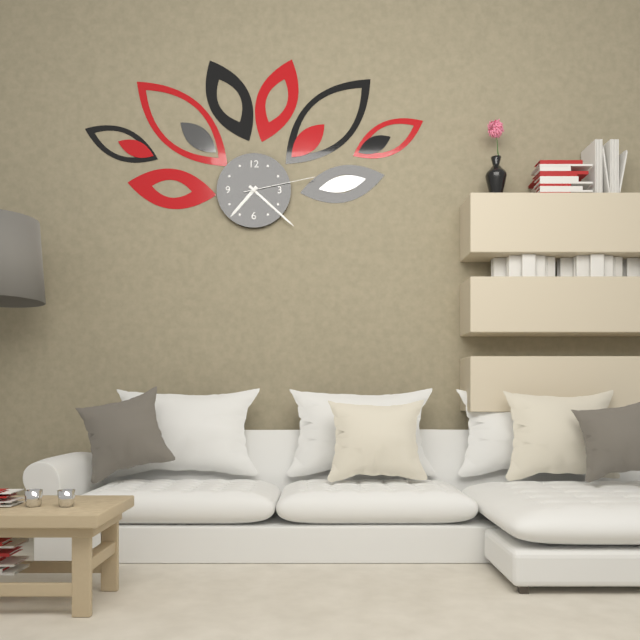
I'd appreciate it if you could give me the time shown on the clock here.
7:22:13
